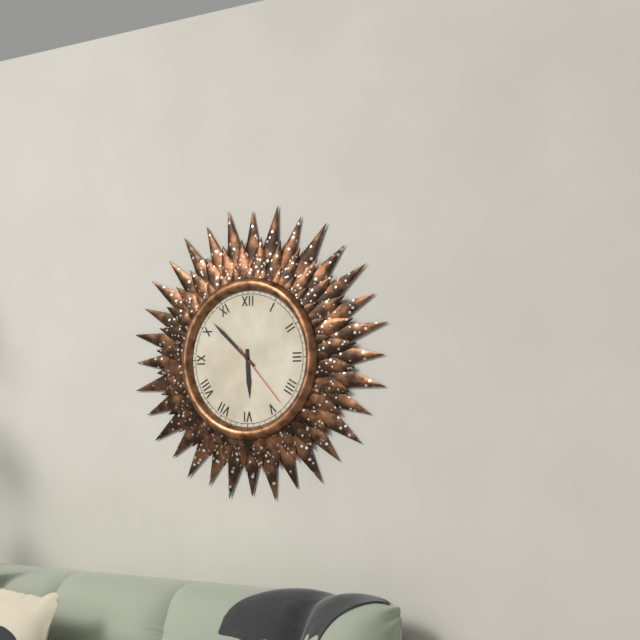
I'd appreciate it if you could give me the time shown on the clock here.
5:52:23
